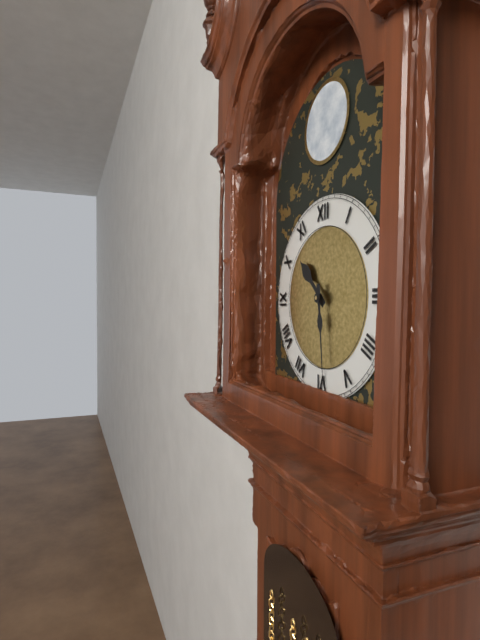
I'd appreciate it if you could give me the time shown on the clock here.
10:29
